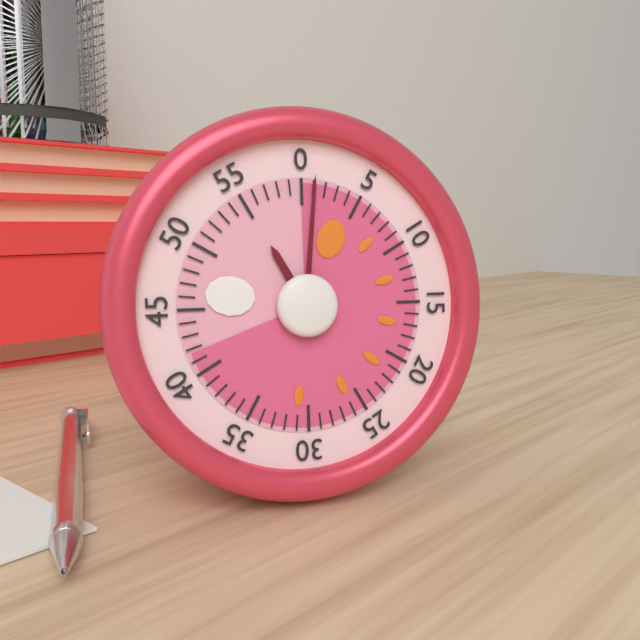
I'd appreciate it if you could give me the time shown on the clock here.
11:01
